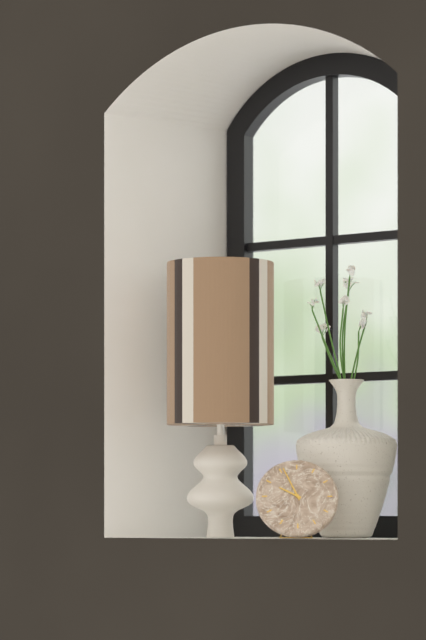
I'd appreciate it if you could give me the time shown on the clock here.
9:56
